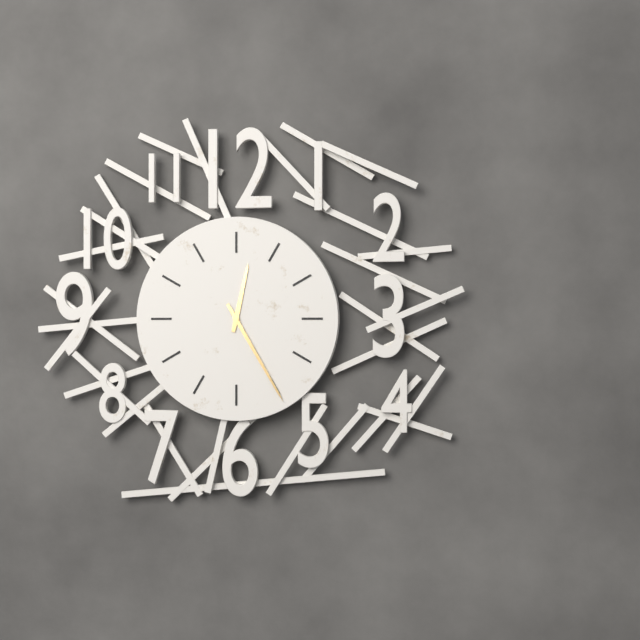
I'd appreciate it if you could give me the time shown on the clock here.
12:25
